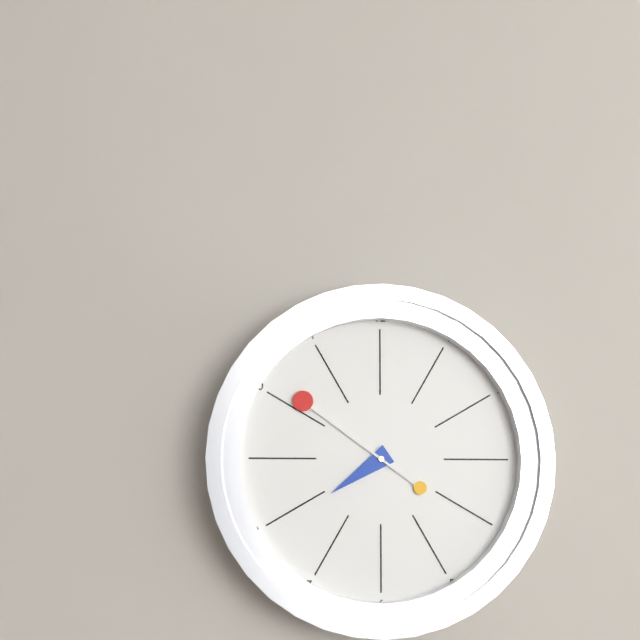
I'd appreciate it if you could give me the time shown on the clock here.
7:51
